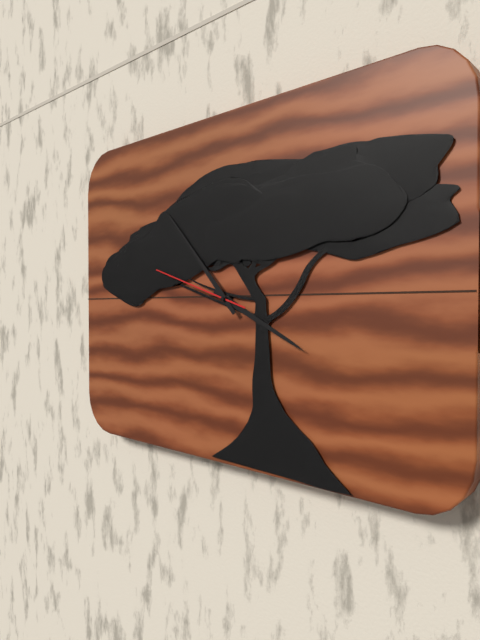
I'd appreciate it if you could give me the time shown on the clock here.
3:53:48
